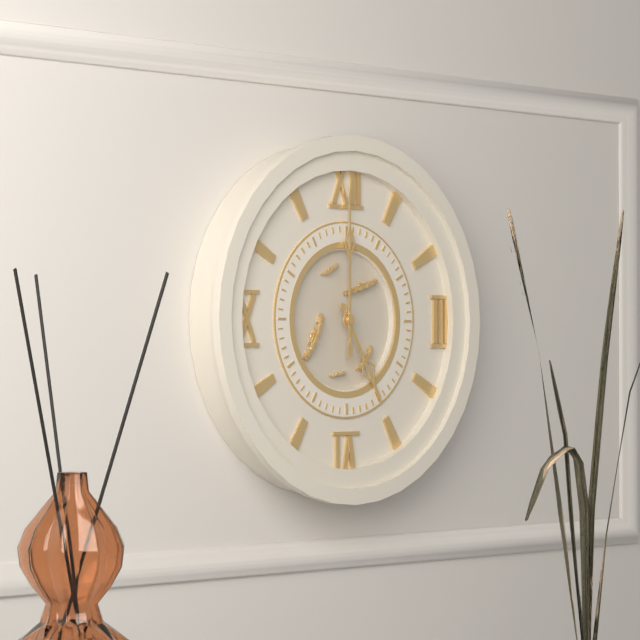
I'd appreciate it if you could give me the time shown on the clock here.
5:00
